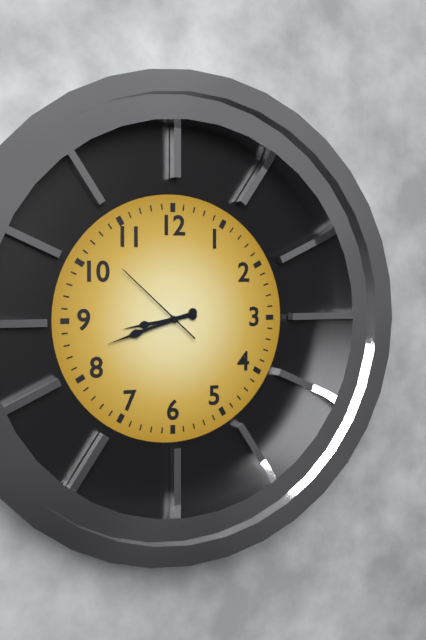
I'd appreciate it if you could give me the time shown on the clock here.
8:42:52
